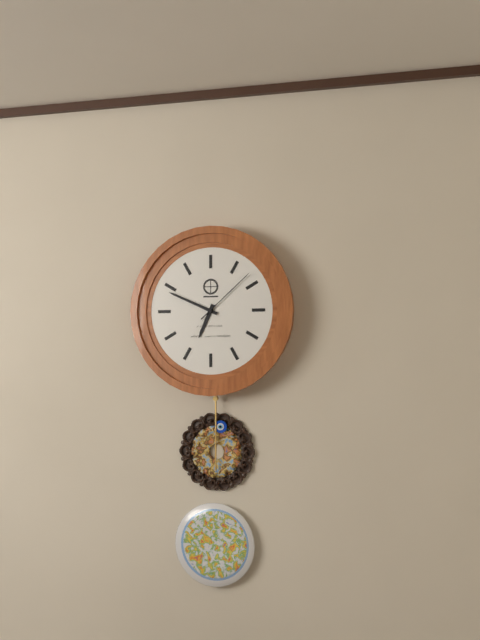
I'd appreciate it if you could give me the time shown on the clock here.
6:49:08
